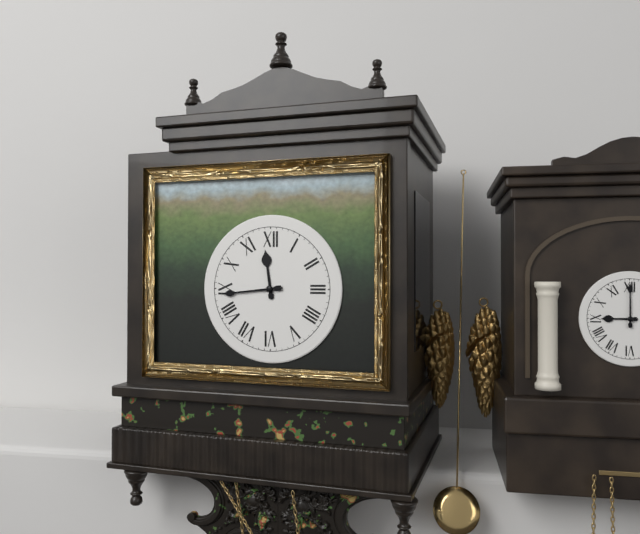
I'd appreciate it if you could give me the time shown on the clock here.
11:44
